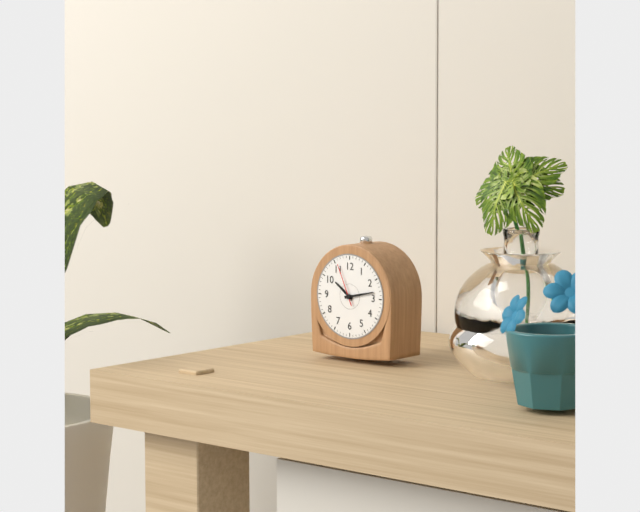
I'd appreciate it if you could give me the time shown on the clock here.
10:13
